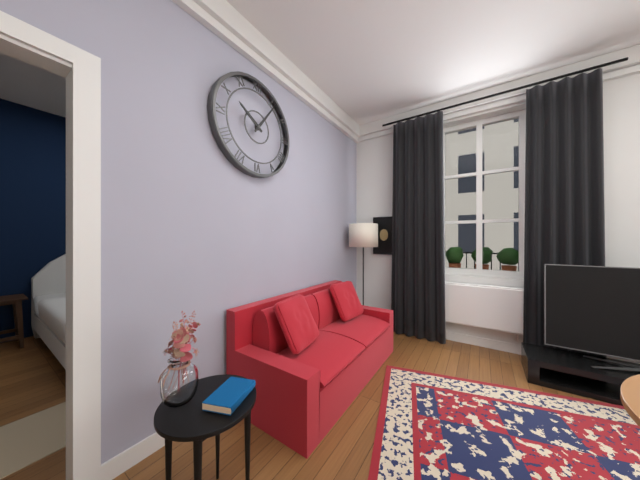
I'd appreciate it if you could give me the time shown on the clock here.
10:06
